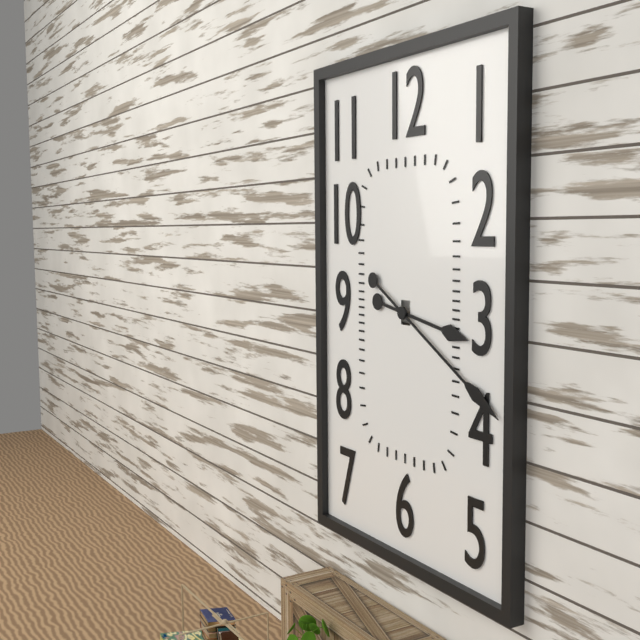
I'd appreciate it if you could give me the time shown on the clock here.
3:20
